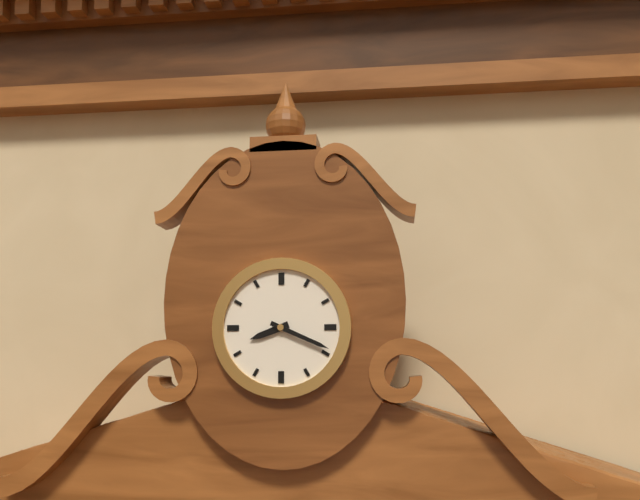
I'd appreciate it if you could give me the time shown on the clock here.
8:19
